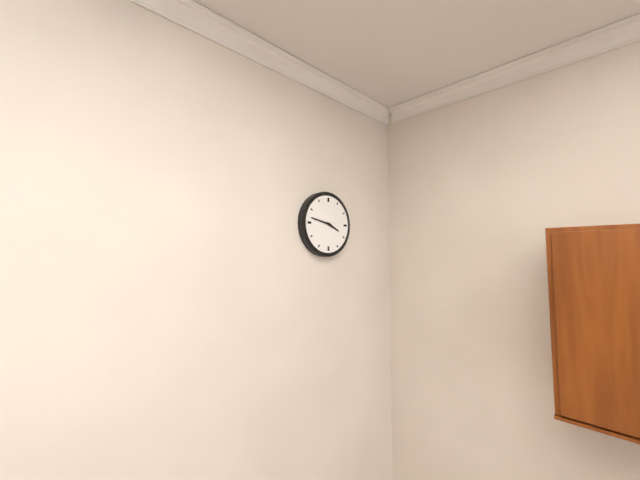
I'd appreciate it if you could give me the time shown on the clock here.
3:47
